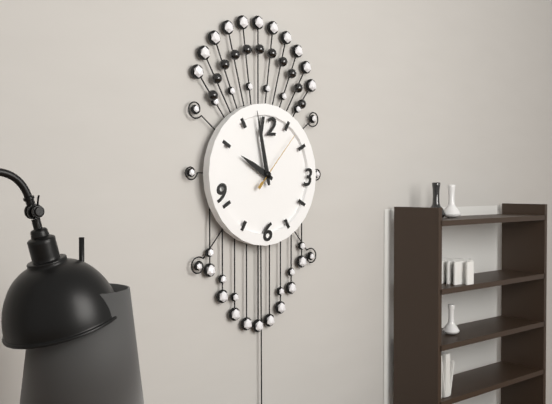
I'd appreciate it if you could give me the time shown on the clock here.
9:58:07
